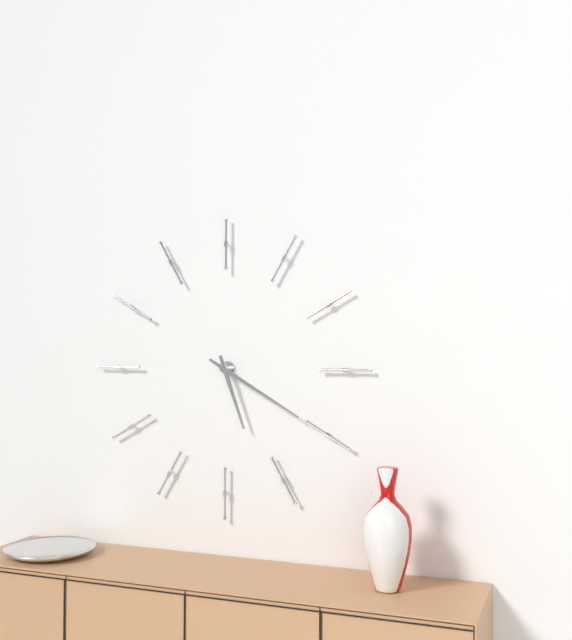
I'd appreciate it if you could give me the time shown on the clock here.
5:20
